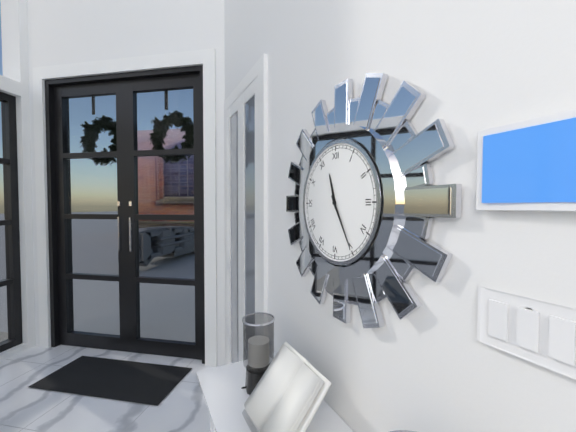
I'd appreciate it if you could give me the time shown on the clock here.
11:25
